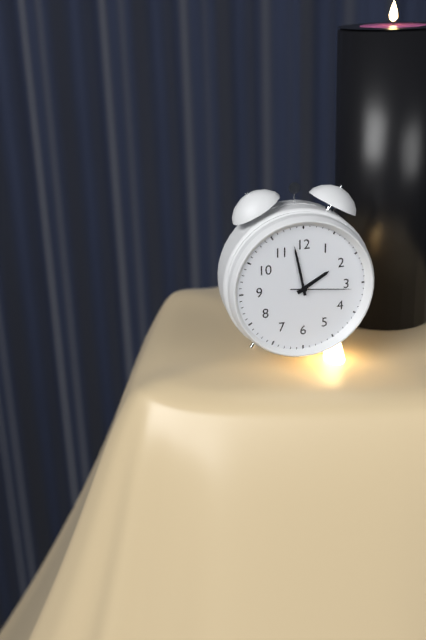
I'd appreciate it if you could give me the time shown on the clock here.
1:58:16
